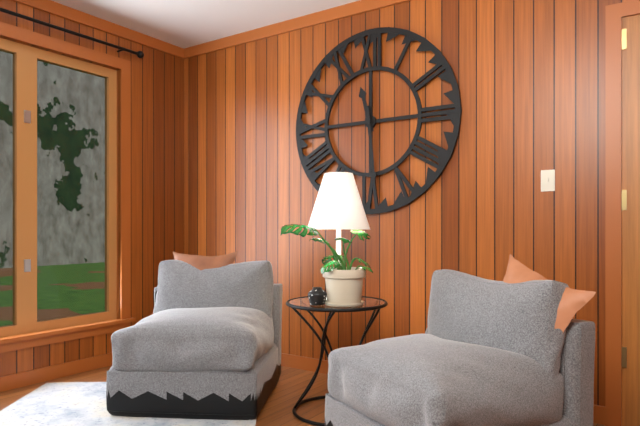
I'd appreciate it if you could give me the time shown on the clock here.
11:29
